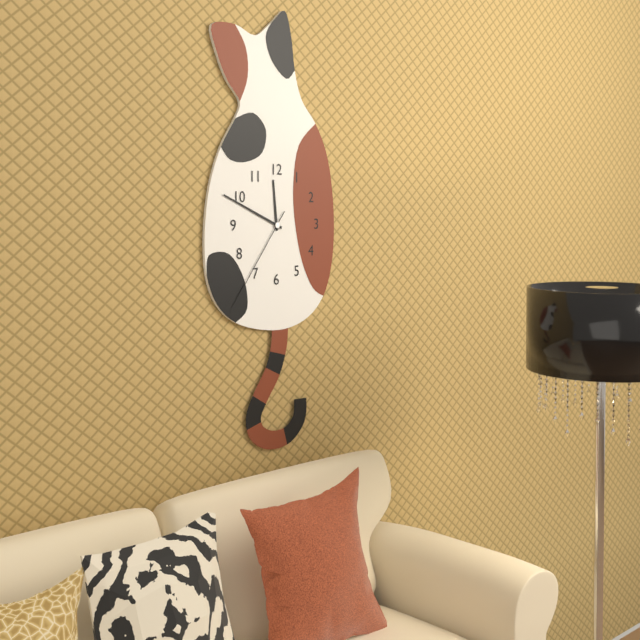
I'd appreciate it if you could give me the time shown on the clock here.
11:49:36
